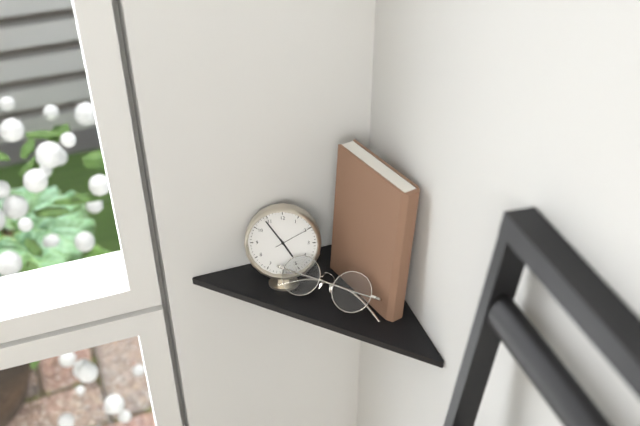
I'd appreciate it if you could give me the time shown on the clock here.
4:54
